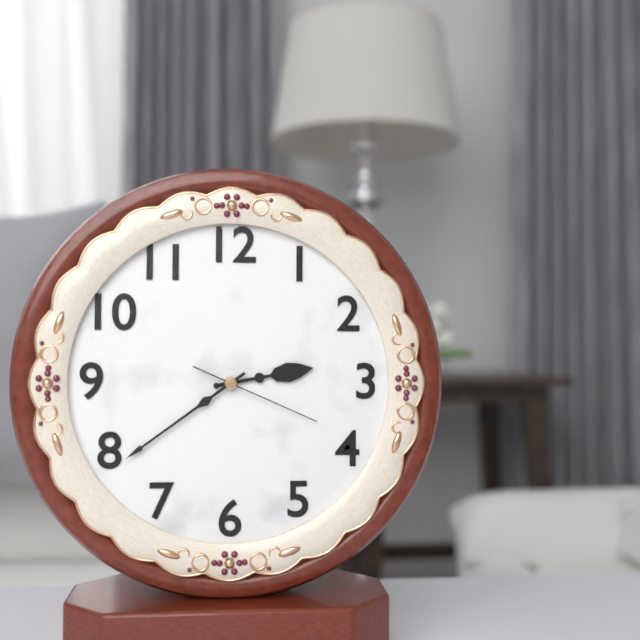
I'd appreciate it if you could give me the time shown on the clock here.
2:39:19
